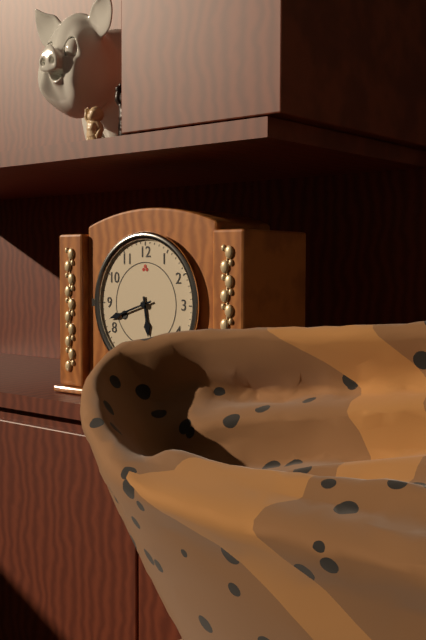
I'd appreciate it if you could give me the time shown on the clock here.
5:42
